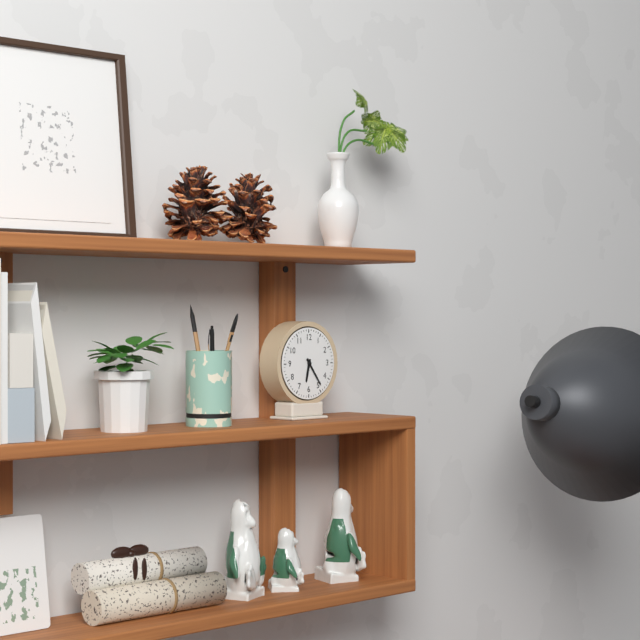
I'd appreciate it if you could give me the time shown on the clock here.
6:24
